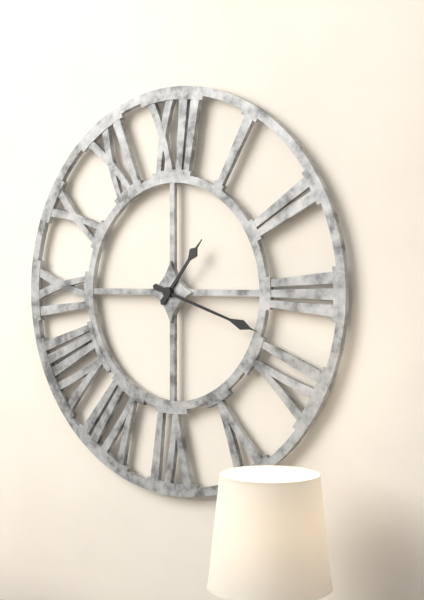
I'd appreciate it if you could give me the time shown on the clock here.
1:18
